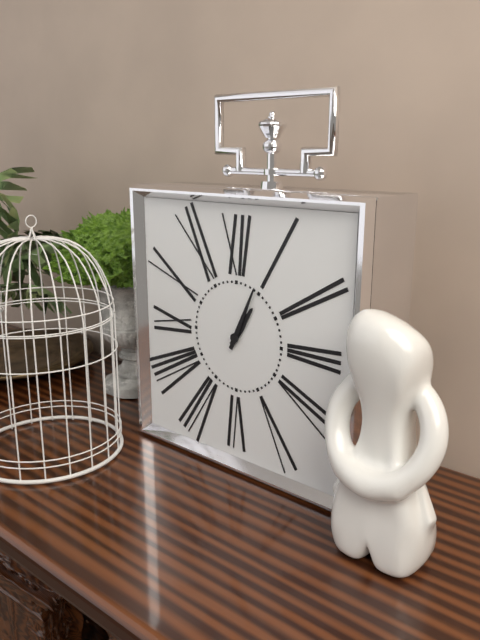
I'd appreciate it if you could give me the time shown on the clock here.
1:04
